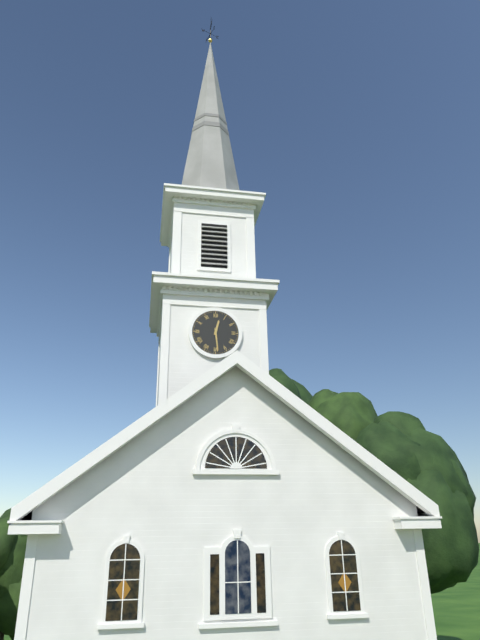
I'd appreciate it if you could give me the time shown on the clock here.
12:29
